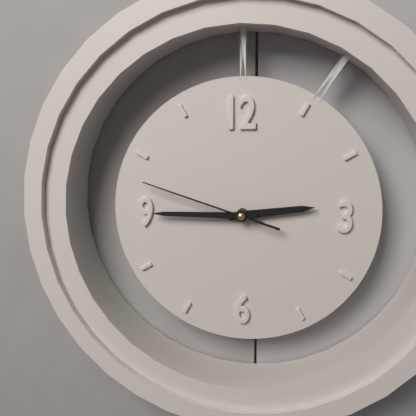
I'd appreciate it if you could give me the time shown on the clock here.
2:45:48
